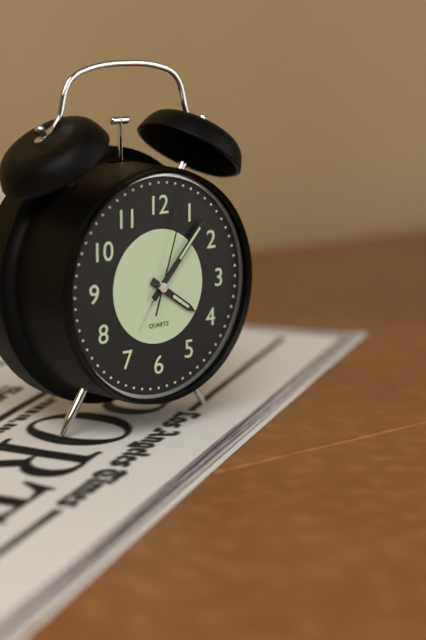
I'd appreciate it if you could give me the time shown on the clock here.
4:07:03
